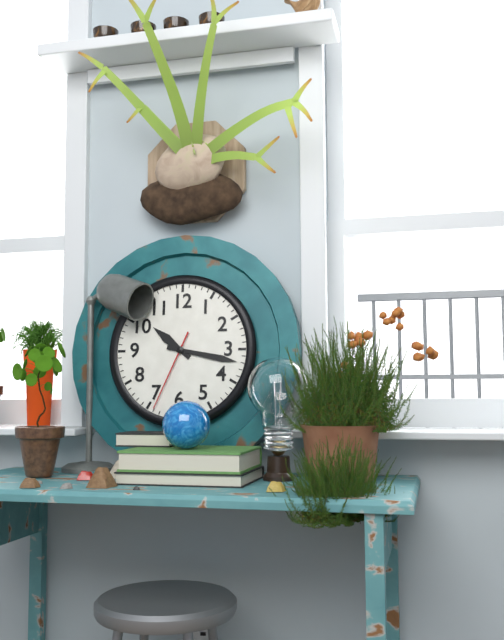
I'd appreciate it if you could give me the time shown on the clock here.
10:17:34
